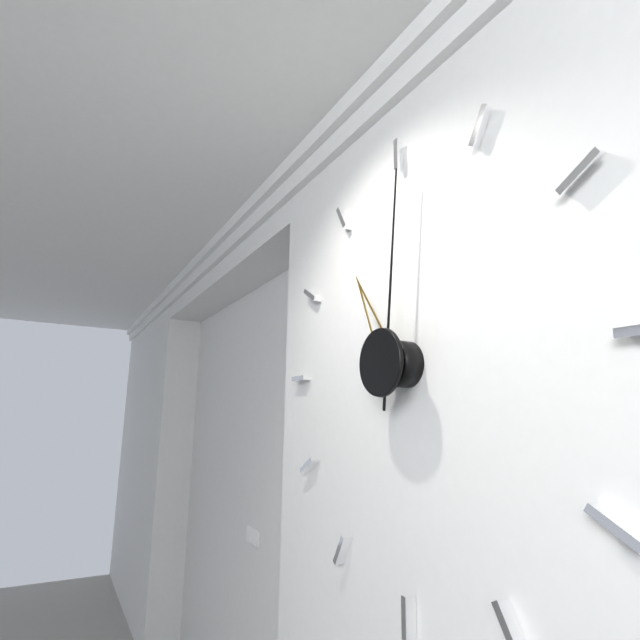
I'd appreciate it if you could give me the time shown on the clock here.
11:01
